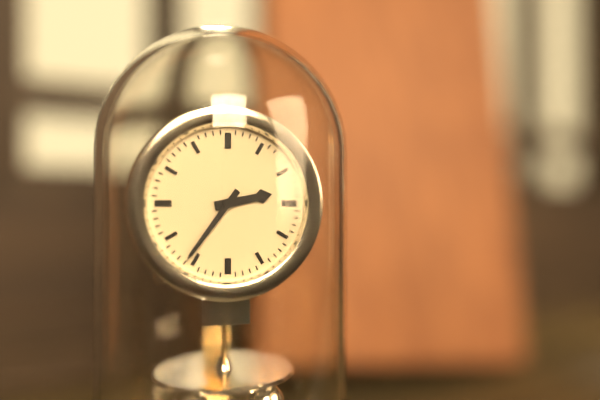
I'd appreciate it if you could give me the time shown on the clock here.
2:36
